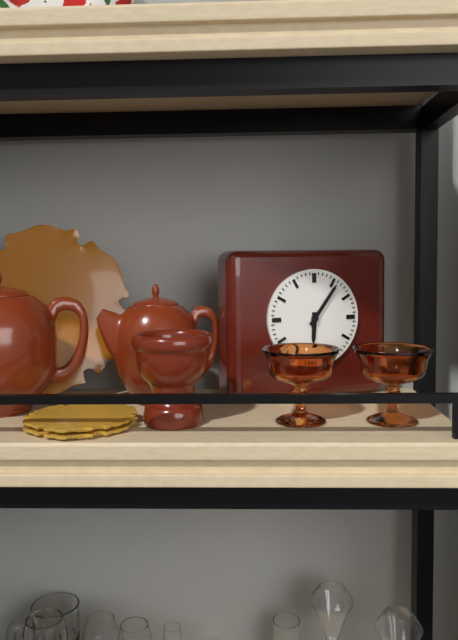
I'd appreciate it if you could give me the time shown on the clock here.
6:06
